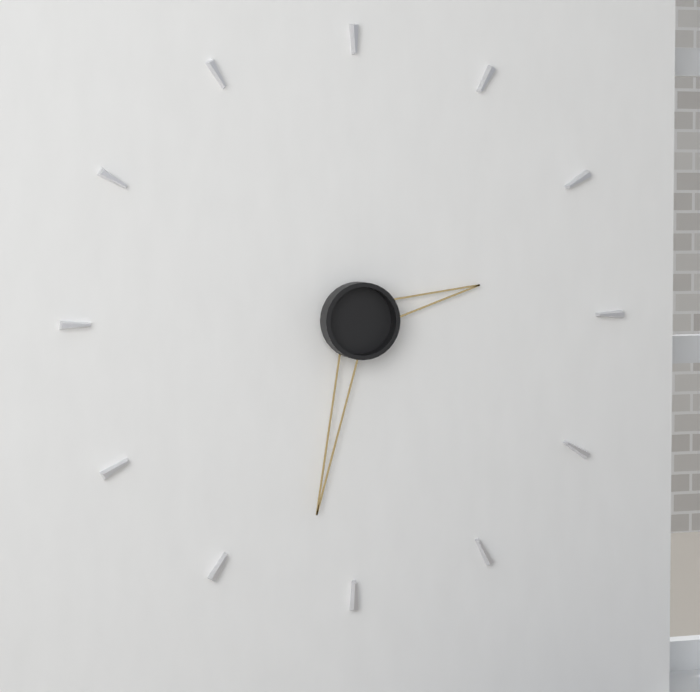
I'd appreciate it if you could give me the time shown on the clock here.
2:32
